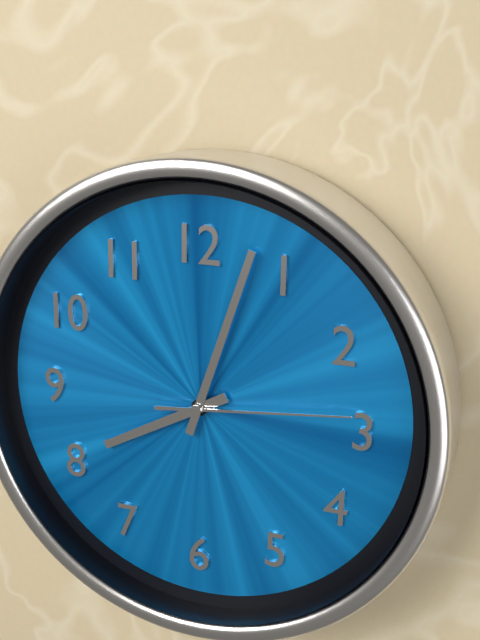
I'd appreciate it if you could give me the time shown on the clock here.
8:03:14
